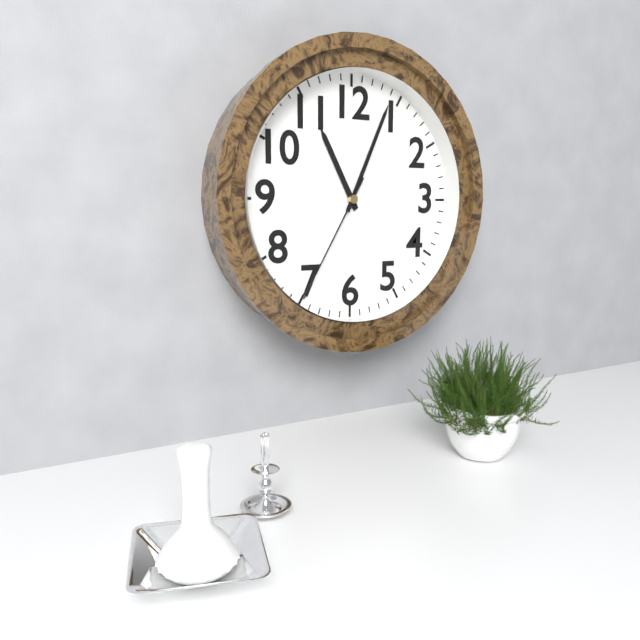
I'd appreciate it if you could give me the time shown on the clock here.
11:04:35
